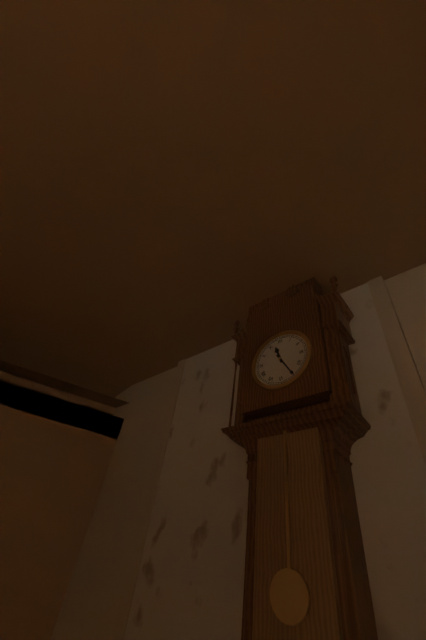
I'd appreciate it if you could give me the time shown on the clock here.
11:25
